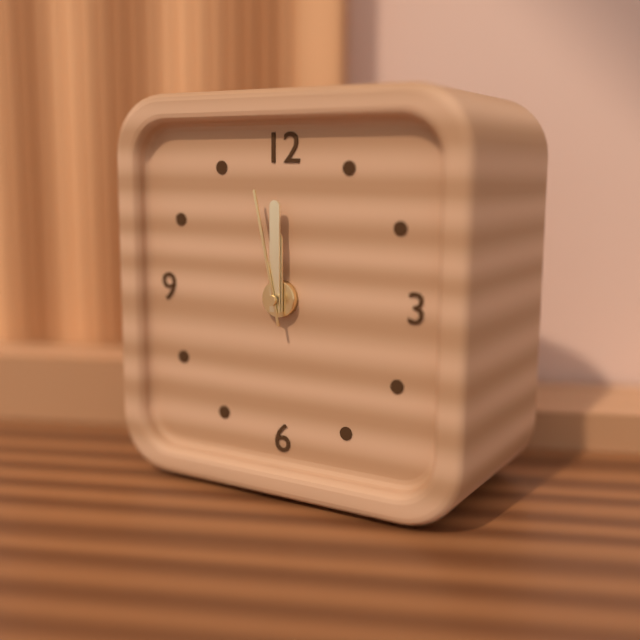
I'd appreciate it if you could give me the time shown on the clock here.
12:00:58
